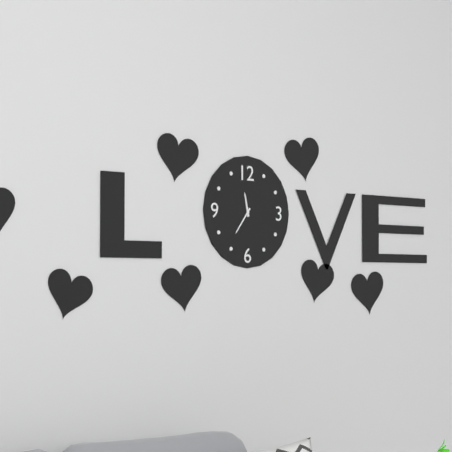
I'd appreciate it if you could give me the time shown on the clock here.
11:36
